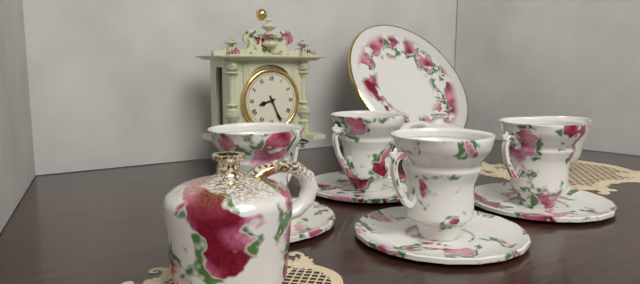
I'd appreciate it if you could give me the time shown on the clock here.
8:26
